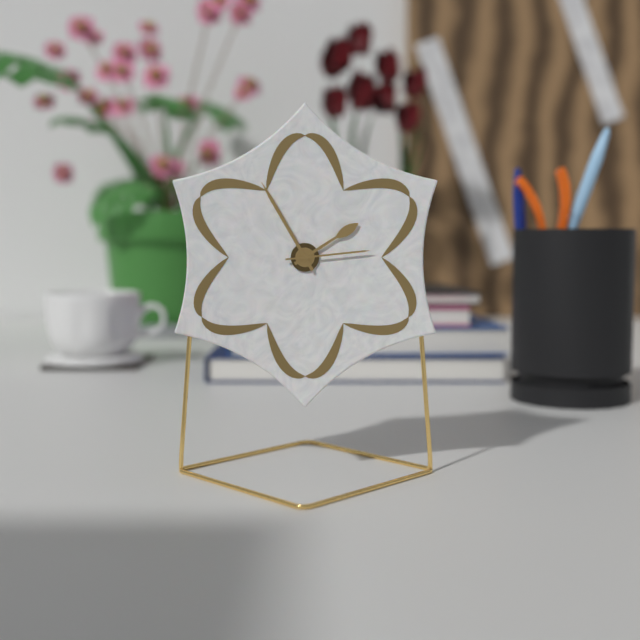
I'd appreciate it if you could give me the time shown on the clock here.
1:55:14
